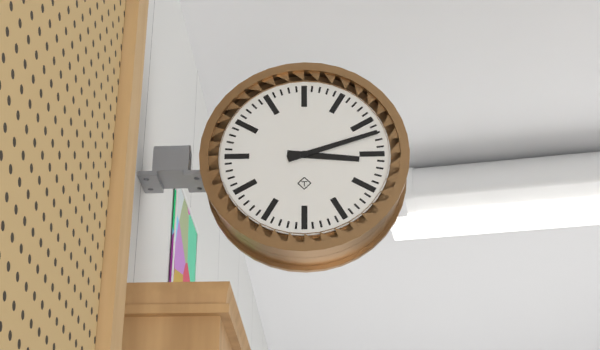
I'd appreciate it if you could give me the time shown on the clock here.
3:12
